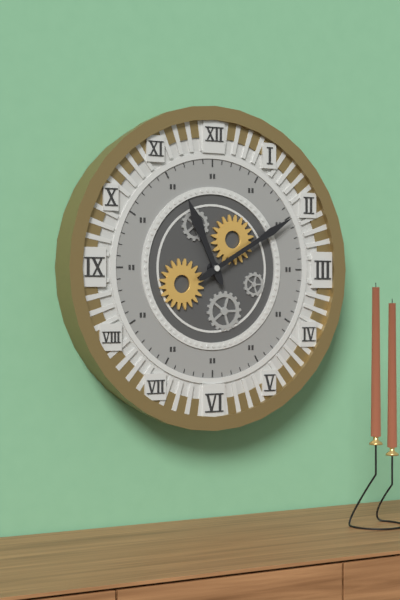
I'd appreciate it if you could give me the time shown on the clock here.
11:10
